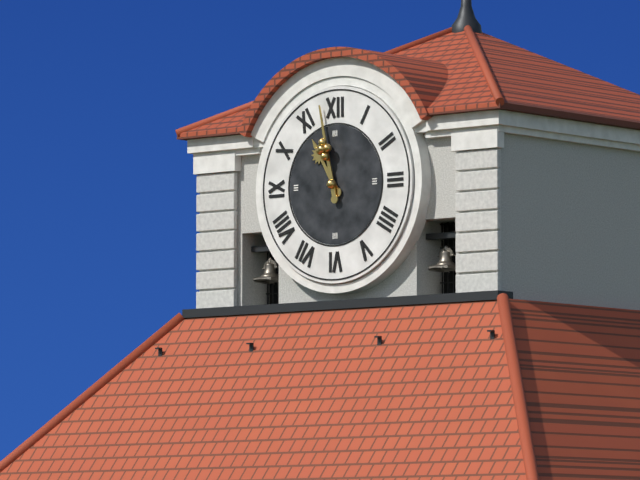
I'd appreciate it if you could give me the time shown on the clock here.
10:58
